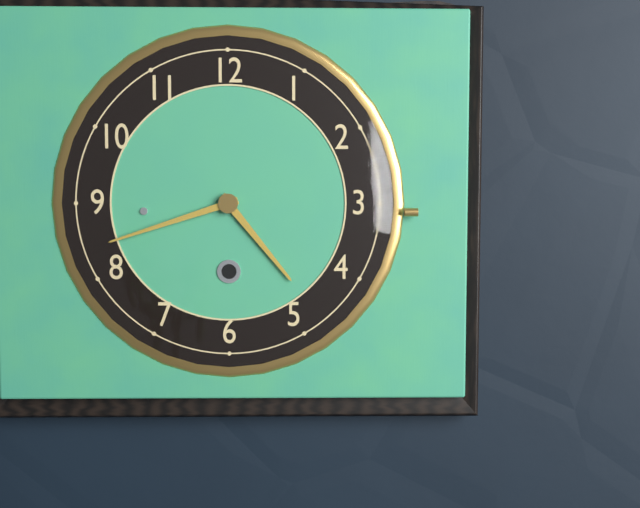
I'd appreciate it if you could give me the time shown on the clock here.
4:42
